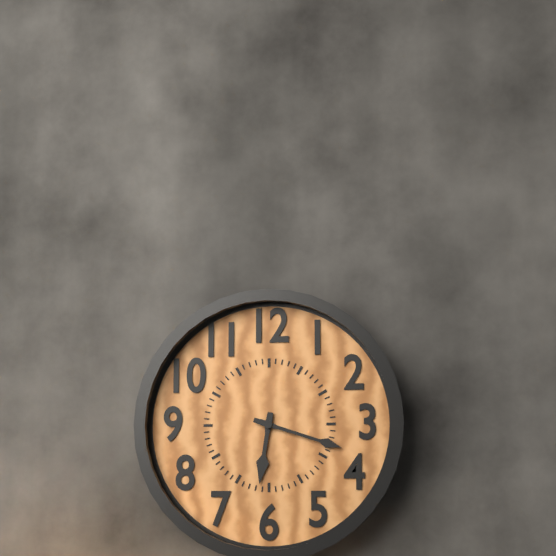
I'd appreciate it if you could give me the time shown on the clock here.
6:18
